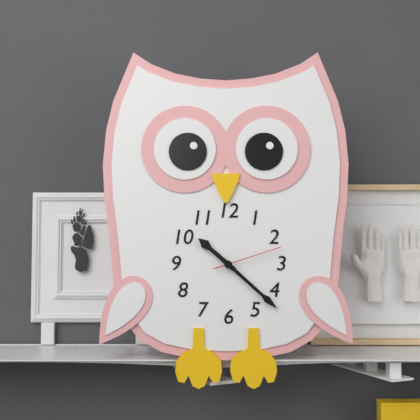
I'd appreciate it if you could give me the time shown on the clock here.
10:22:12
